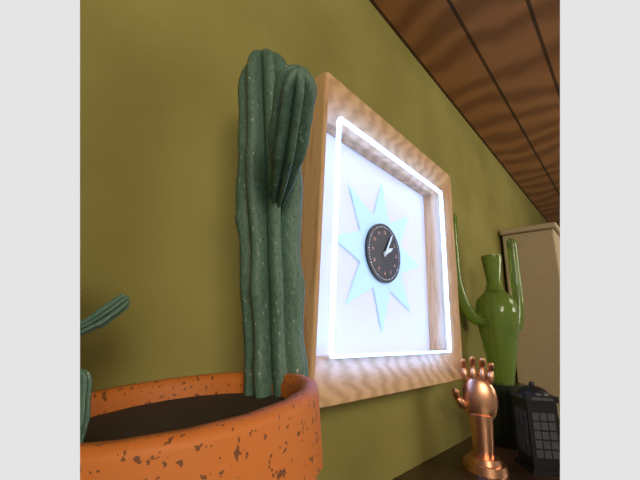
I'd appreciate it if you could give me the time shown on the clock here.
2:05
